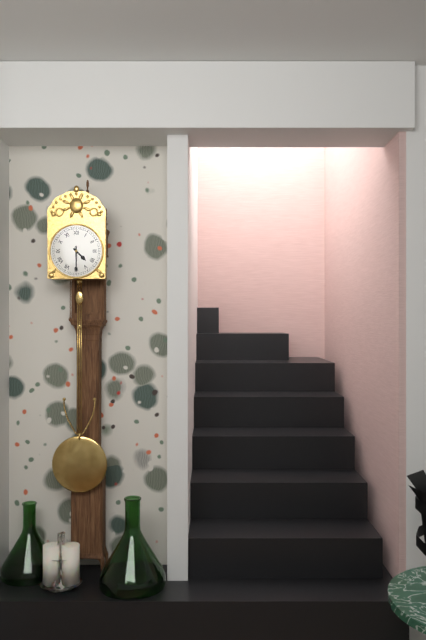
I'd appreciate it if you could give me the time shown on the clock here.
4:30
